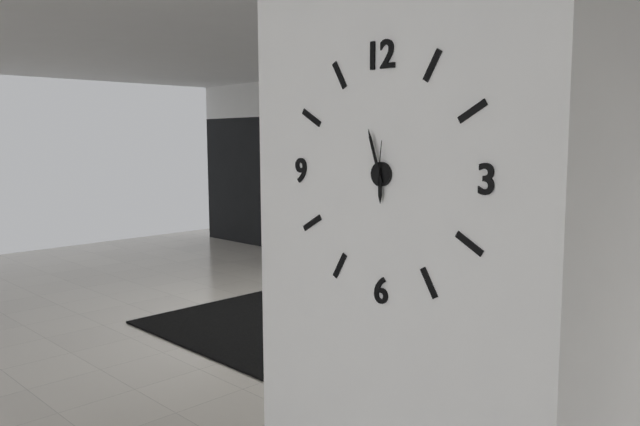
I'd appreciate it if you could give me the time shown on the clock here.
5:57
